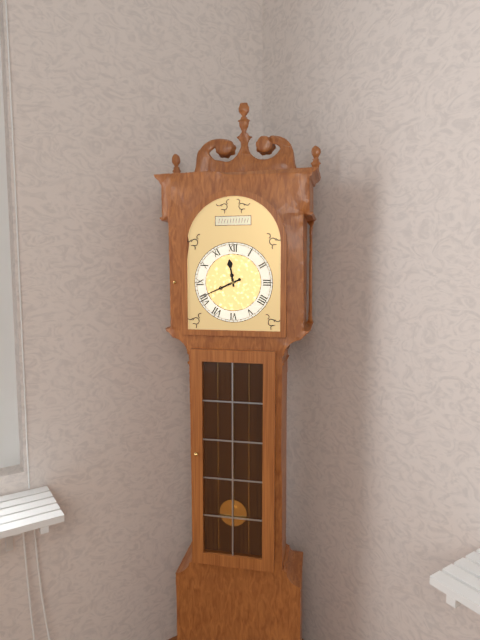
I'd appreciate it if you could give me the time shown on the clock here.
11:41
